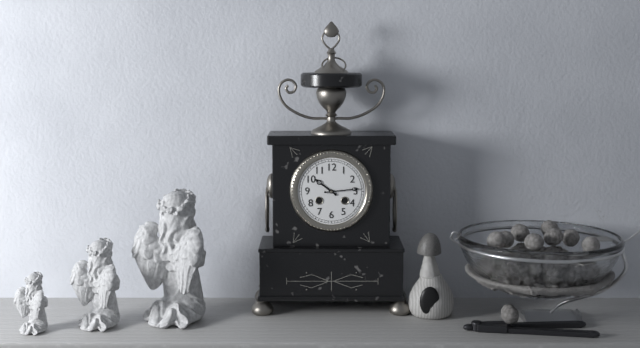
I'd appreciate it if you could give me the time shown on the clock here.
10:14
